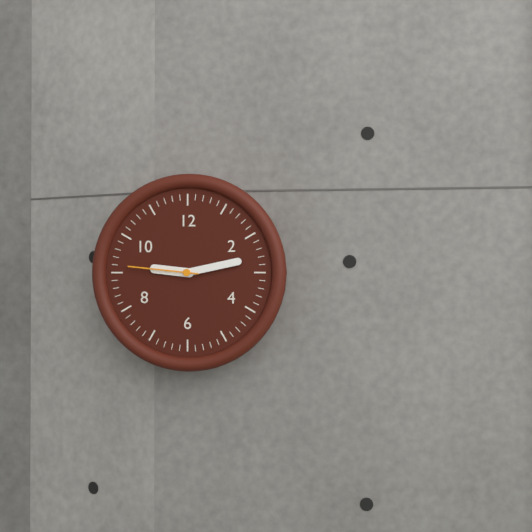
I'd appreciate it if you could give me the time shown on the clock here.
9:13:46
